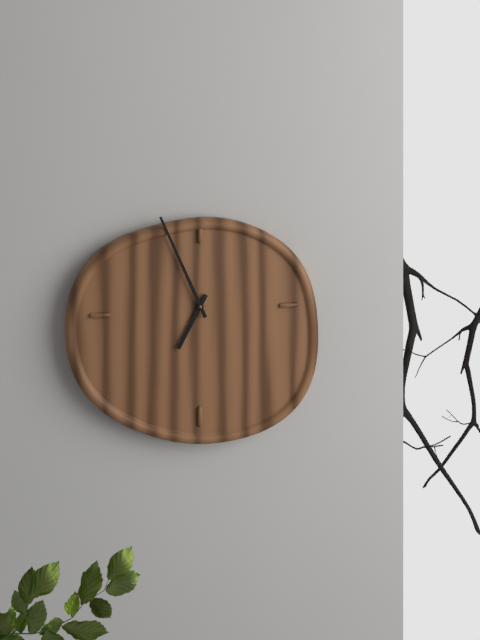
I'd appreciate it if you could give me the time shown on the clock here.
6:56
